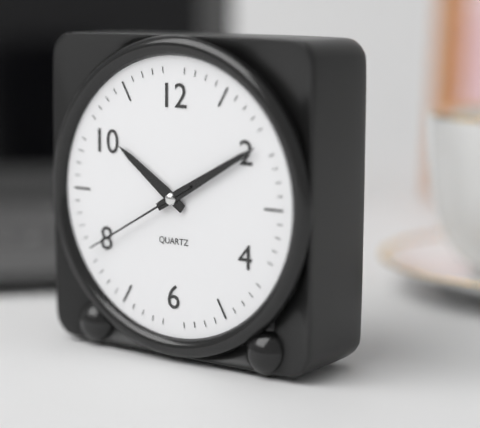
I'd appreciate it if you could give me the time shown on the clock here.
10:10:40
